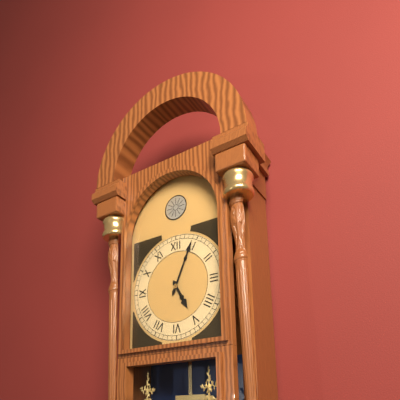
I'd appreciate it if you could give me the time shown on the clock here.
5:04
